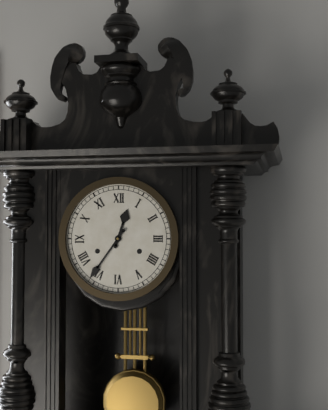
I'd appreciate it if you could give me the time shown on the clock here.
12:36
